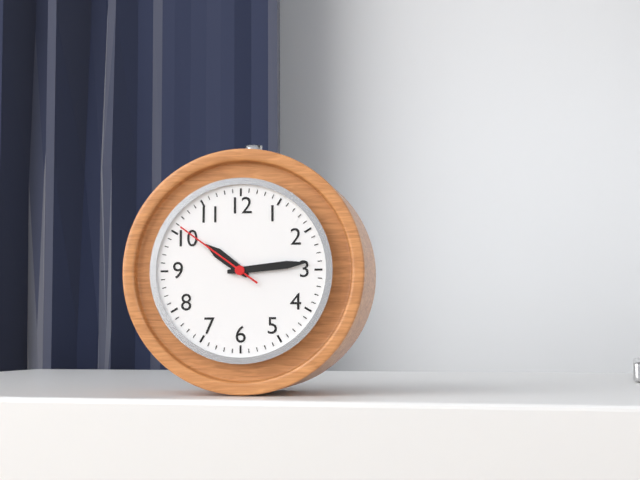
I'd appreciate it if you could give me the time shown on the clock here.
10:14:51
